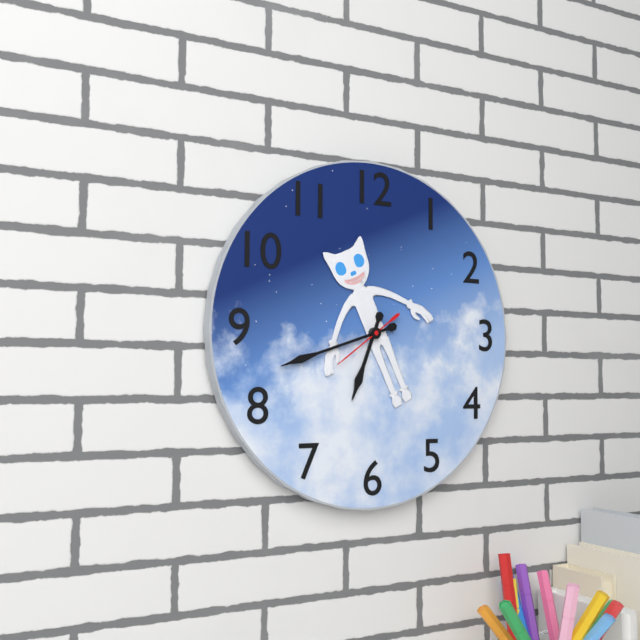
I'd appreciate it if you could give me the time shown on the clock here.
6:42:39
